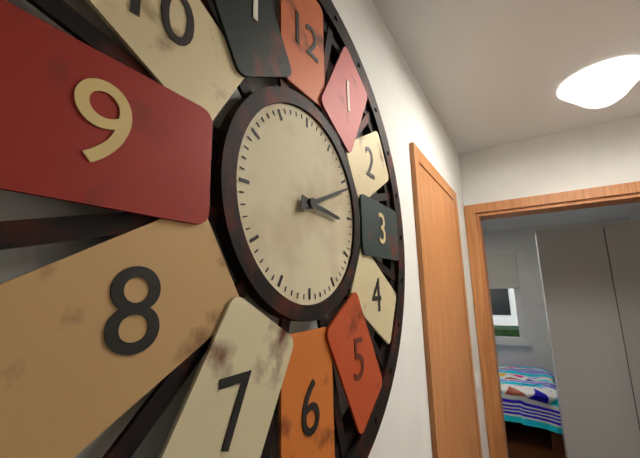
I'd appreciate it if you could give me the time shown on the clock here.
3:11
